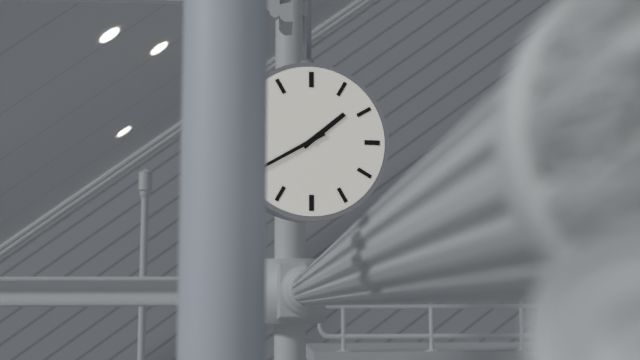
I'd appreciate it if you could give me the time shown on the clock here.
1:40
